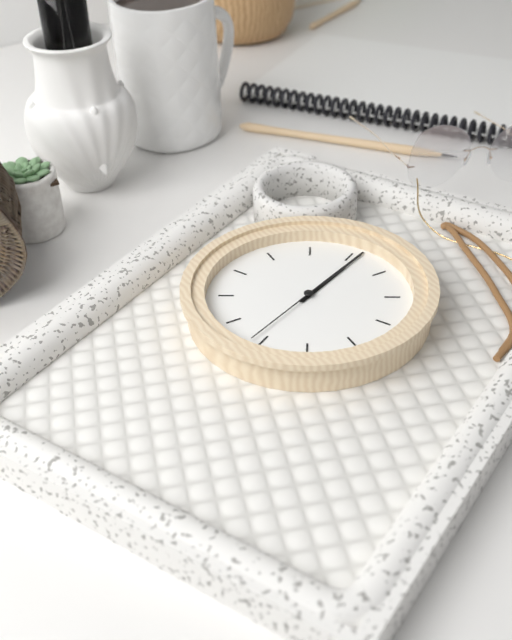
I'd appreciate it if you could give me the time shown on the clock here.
2:11:41
